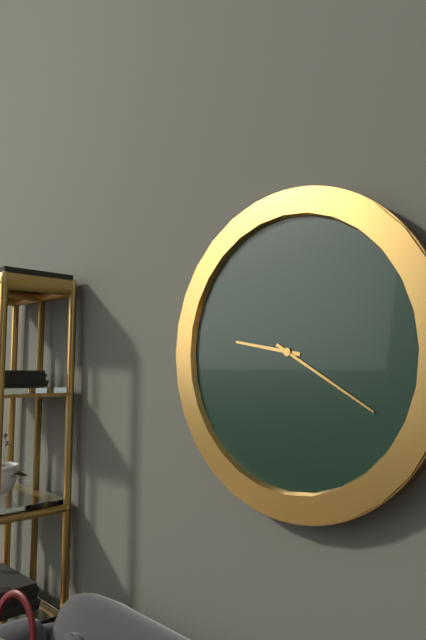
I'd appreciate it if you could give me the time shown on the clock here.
9:20
